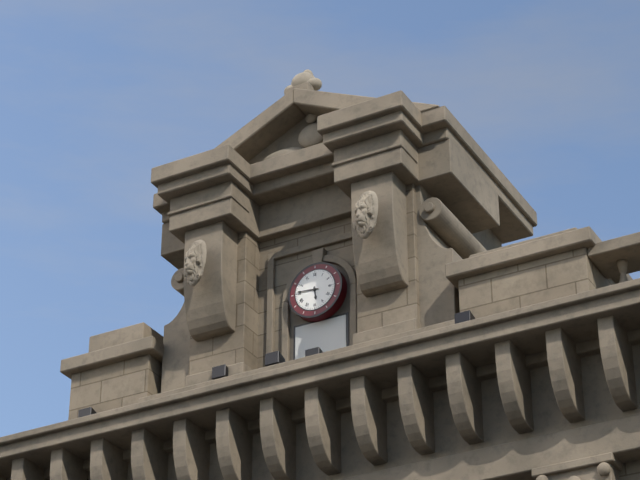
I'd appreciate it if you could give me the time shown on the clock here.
5:46
